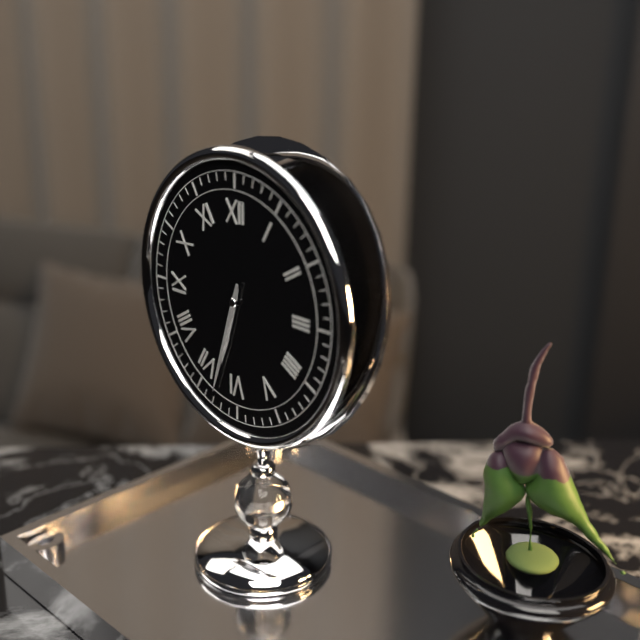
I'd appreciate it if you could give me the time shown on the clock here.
6:33
